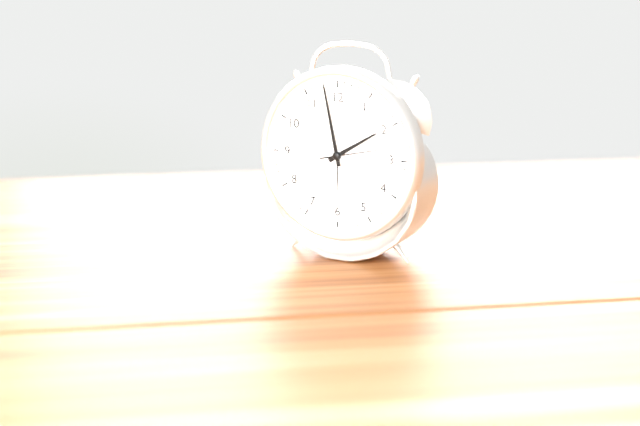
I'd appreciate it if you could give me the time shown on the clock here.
1:58:13
